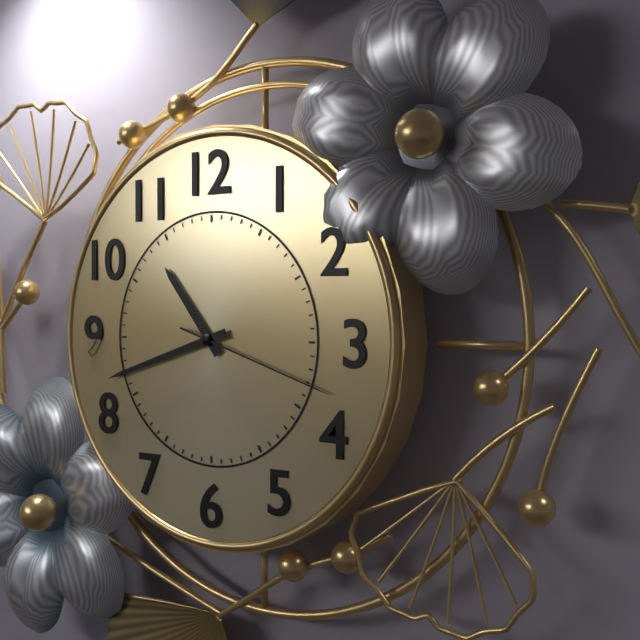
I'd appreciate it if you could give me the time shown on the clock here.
10:42:18
